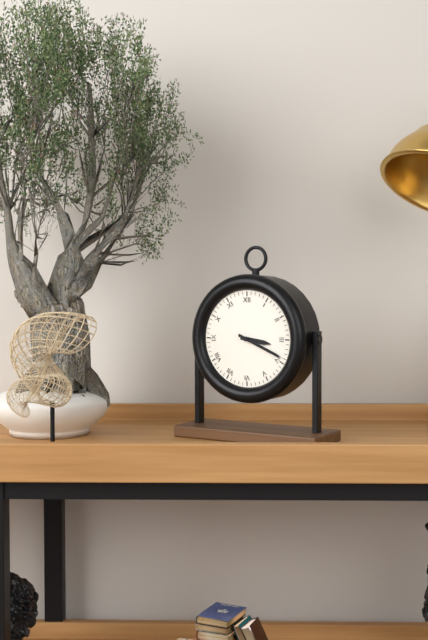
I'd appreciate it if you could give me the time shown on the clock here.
3:19
